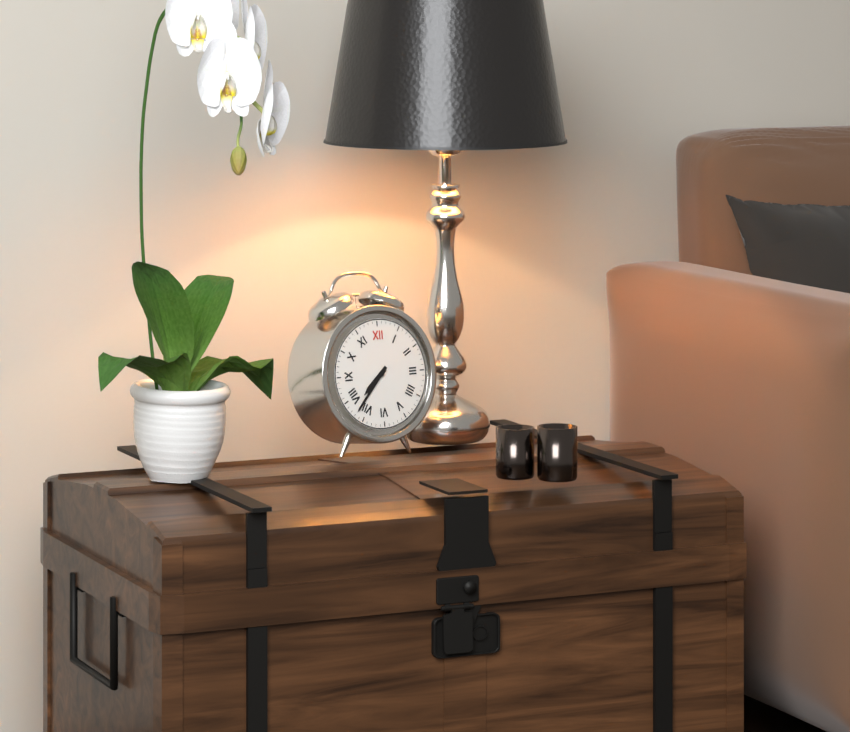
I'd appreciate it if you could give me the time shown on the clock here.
7:37
